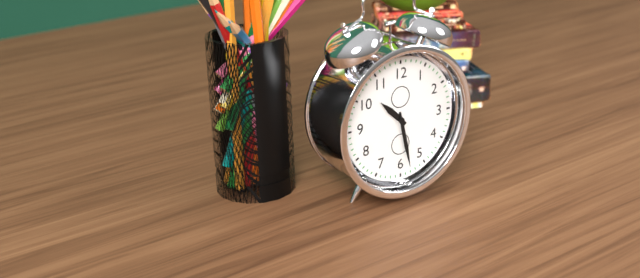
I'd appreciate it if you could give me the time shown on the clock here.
10:28
